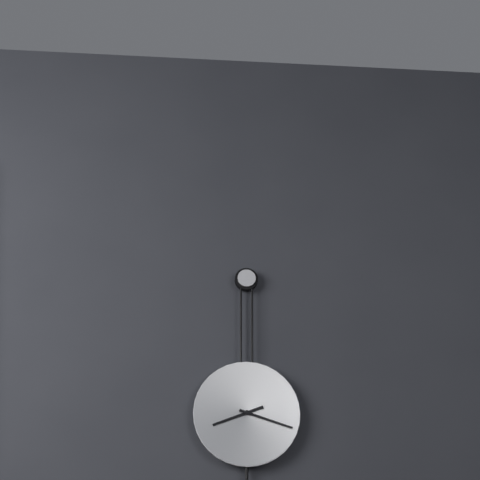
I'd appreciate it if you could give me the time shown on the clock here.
8:18
